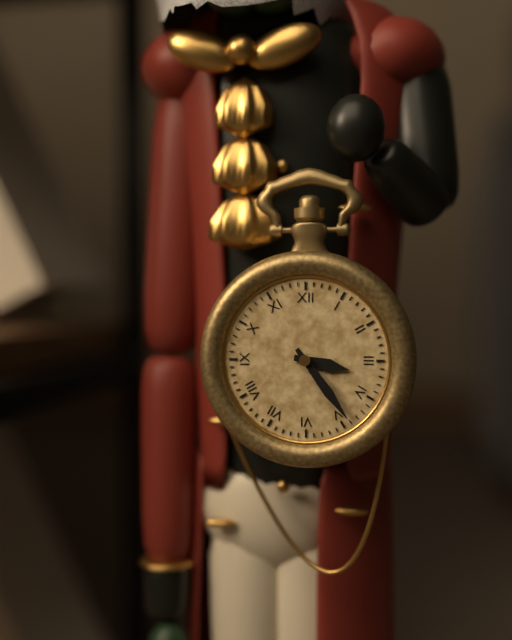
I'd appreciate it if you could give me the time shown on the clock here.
3:24
